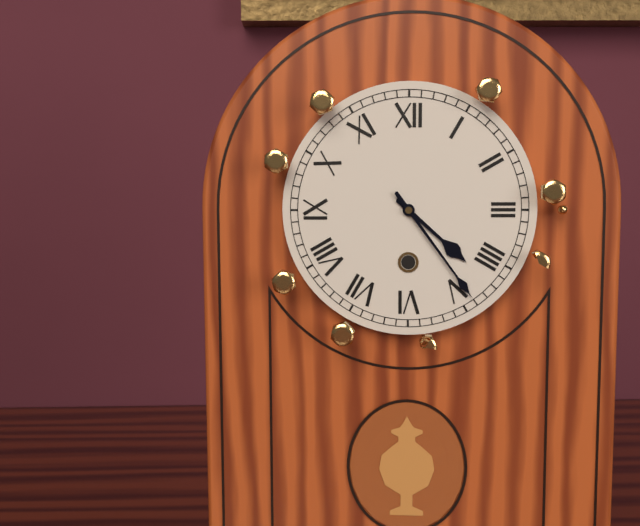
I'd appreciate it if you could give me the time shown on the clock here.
4:24
